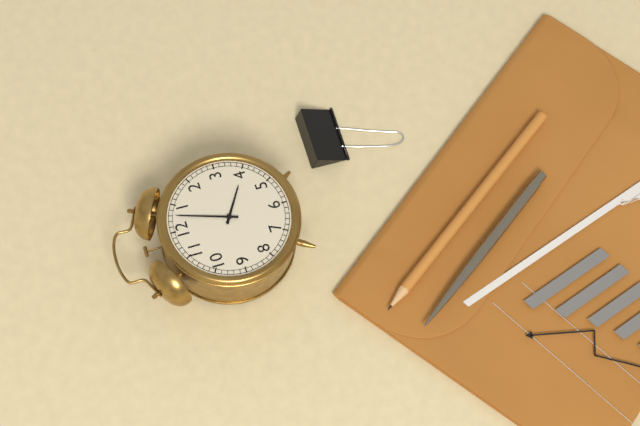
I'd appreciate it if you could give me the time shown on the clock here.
4:03
